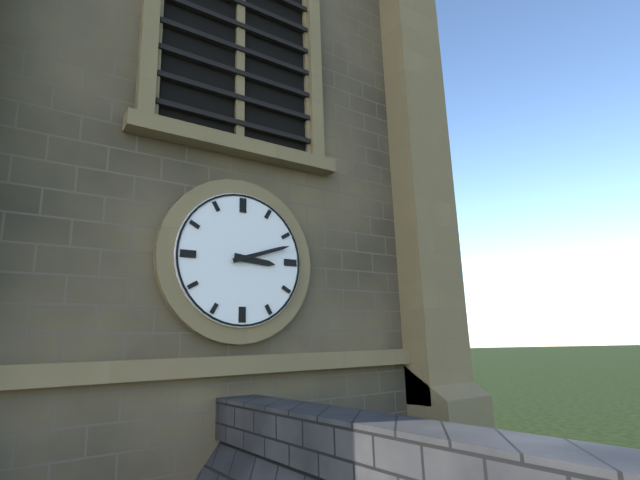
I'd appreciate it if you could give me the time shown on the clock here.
3:12
